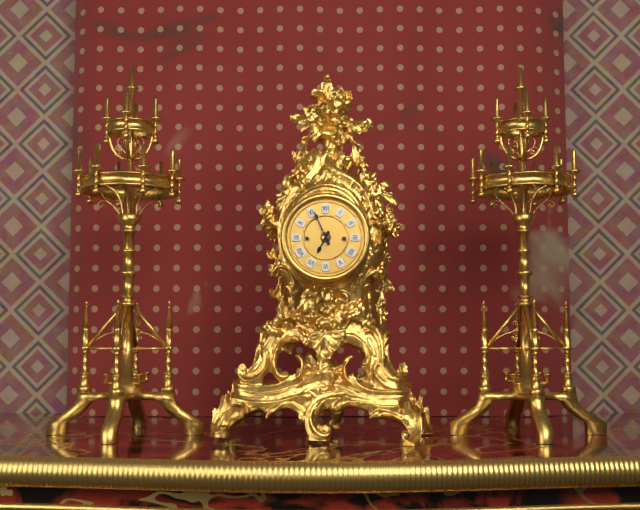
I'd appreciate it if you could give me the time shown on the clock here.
6:56
